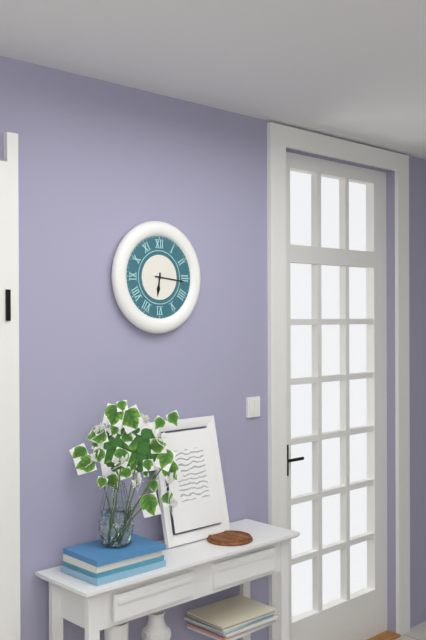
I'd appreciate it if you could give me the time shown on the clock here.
6:16
